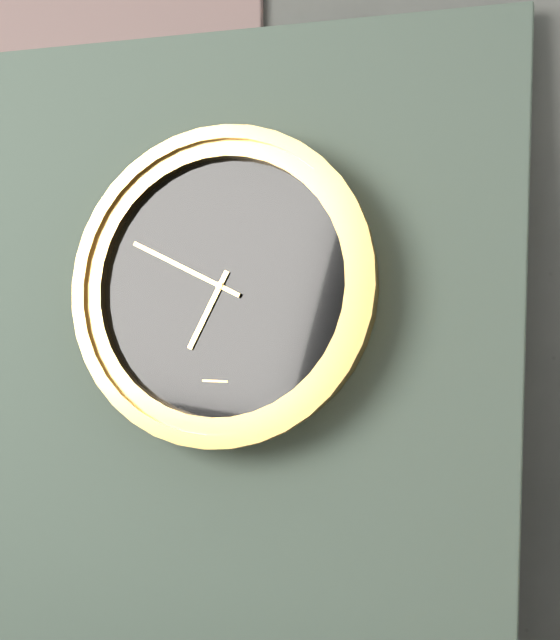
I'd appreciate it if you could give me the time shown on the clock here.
6:49
